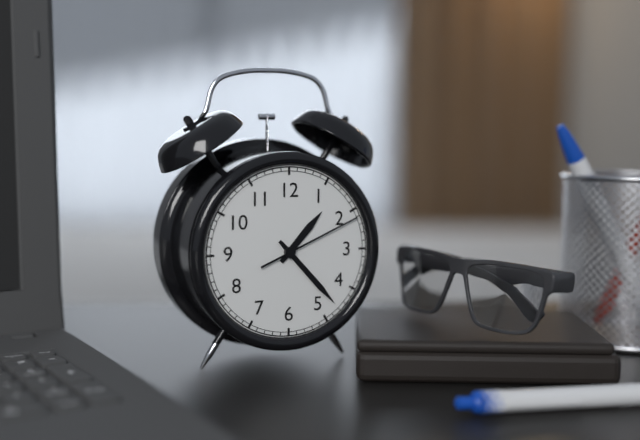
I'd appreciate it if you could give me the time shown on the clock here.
1:23:11
